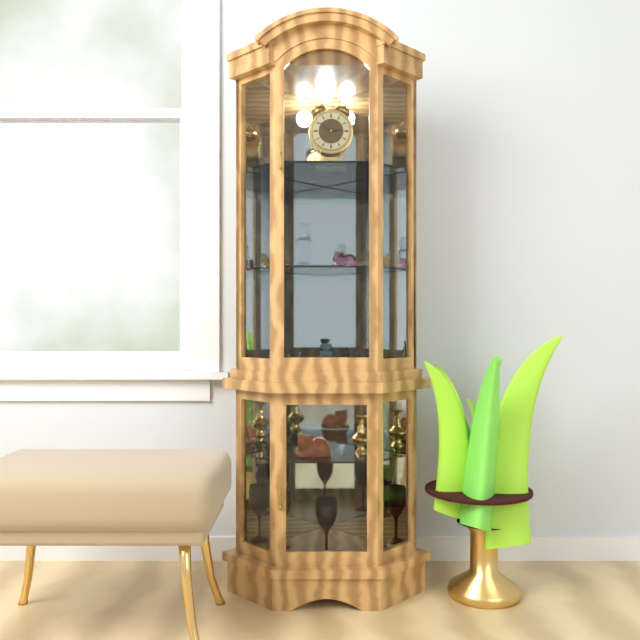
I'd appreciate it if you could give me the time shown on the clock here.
2:51
